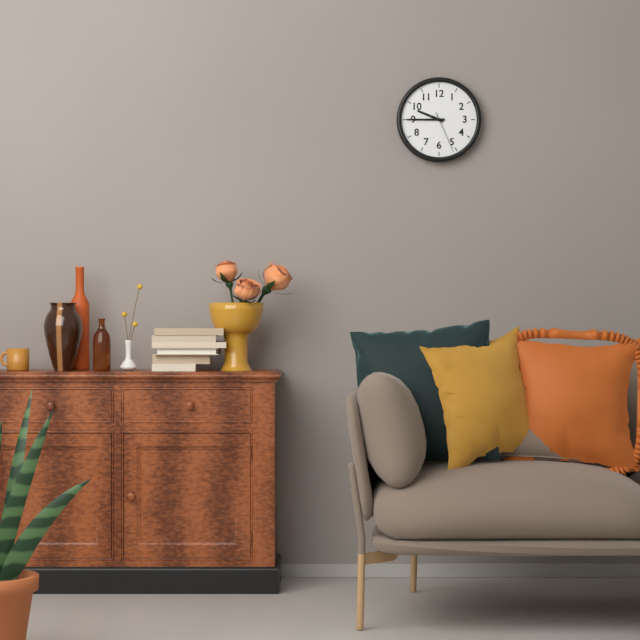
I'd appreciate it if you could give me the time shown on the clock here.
9:45
